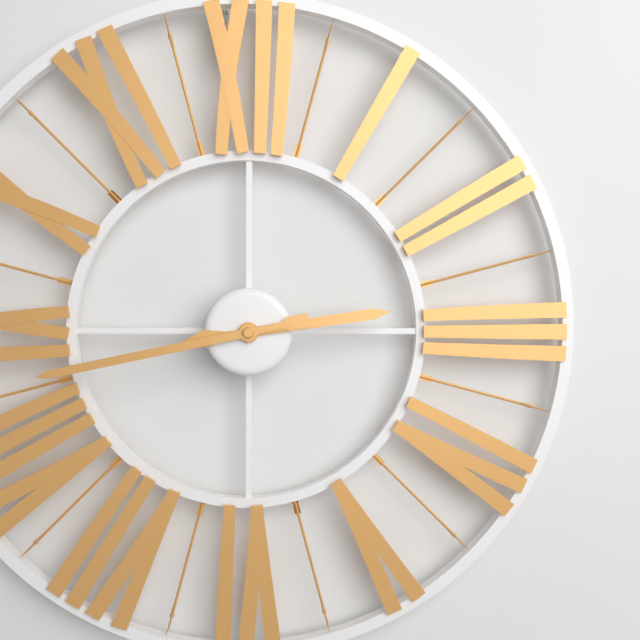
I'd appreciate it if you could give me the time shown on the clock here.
2:43
